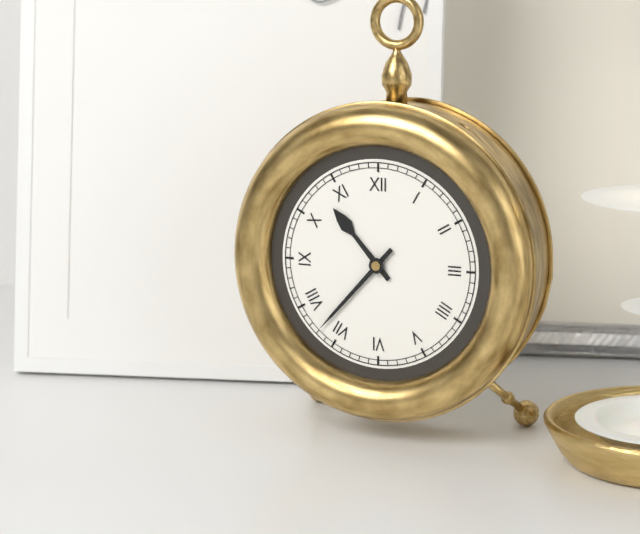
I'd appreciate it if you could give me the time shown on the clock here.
10:37
